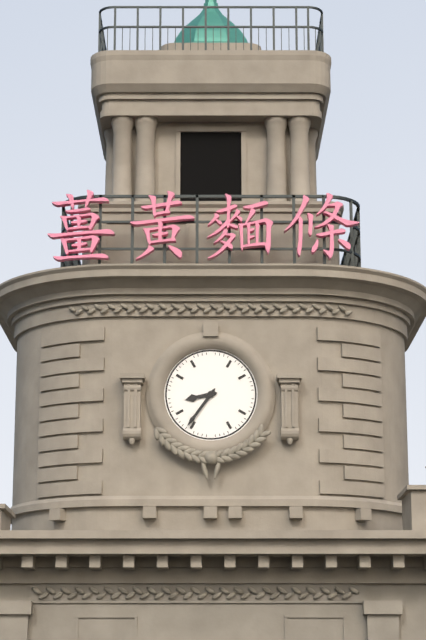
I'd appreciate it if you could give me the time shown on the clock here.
8:36
